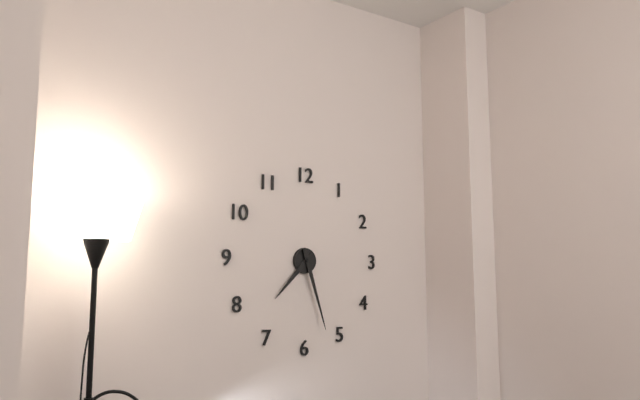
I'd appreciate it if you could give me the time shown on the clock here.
7:27
